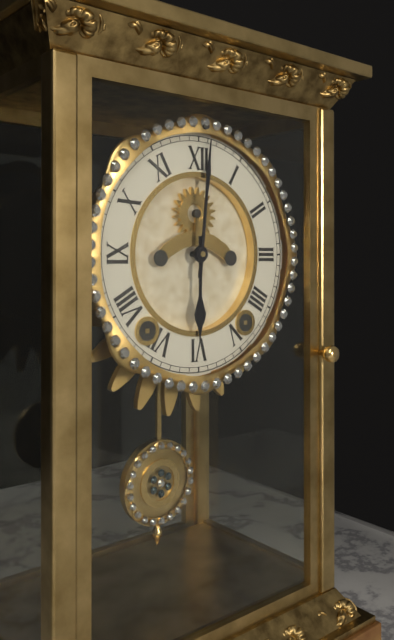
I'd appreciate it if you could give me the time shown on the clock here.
6:01
